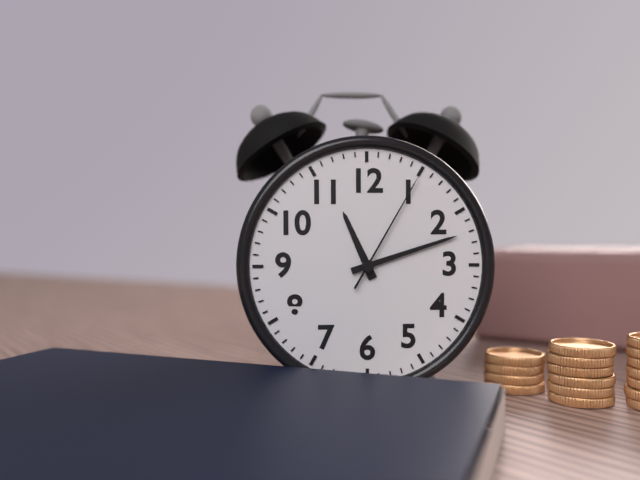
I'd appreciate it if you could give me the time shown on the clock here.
11:12:05
